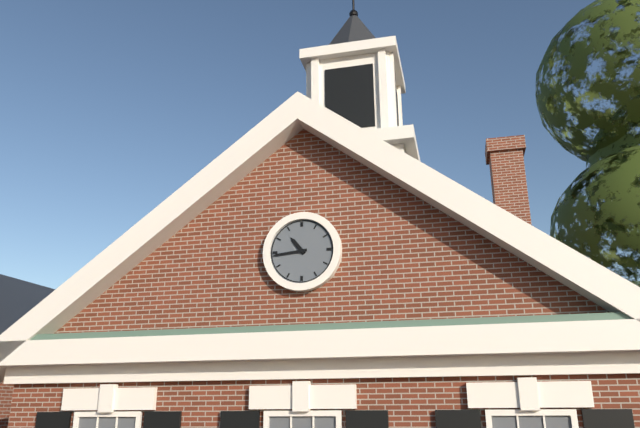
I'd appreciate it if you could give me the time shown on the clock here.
10:44
